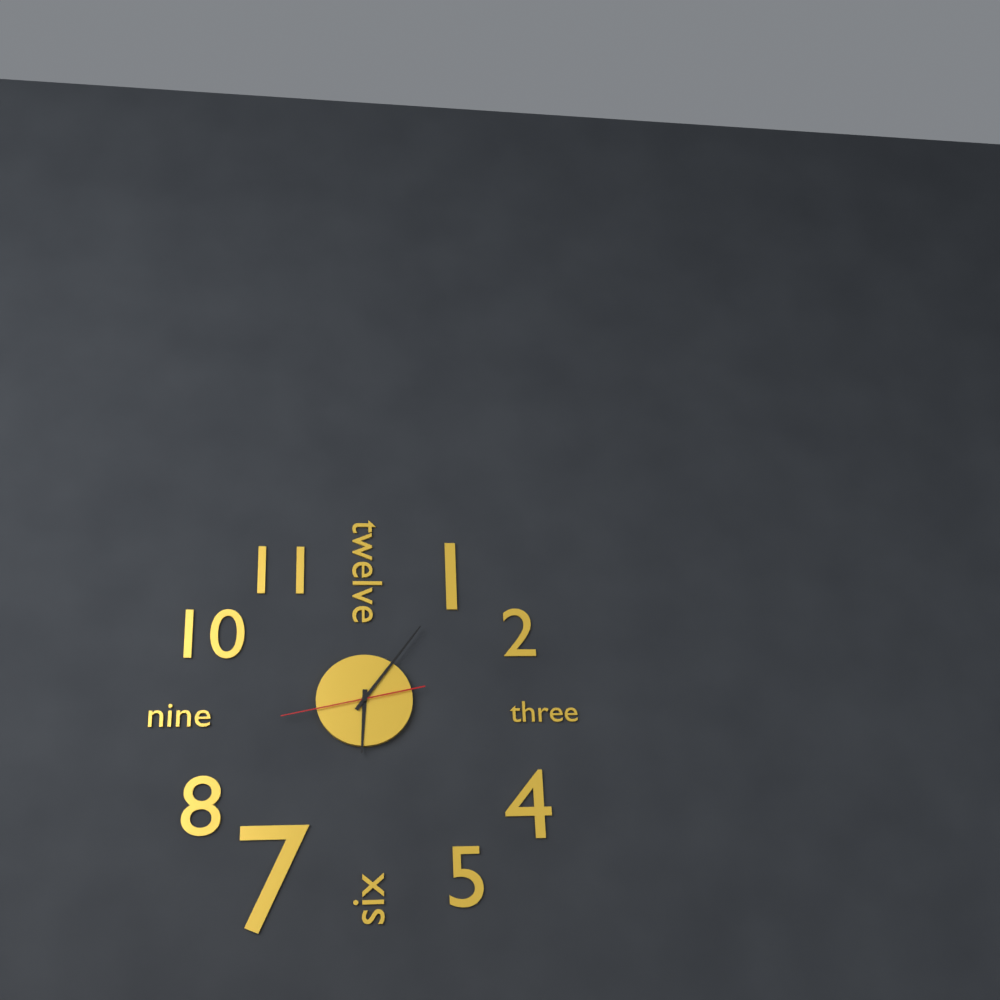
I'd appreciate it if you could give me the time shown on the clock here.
6:06:43
